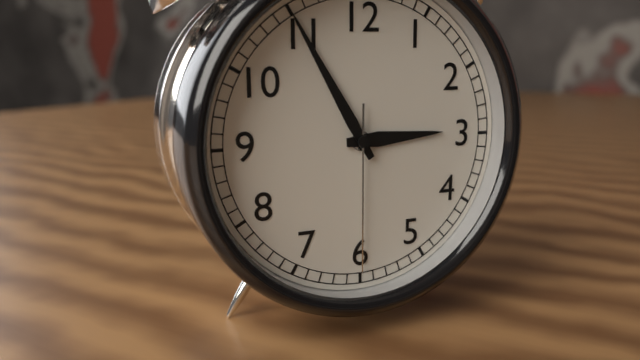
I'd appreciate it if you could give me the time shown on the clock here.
2:55:30
